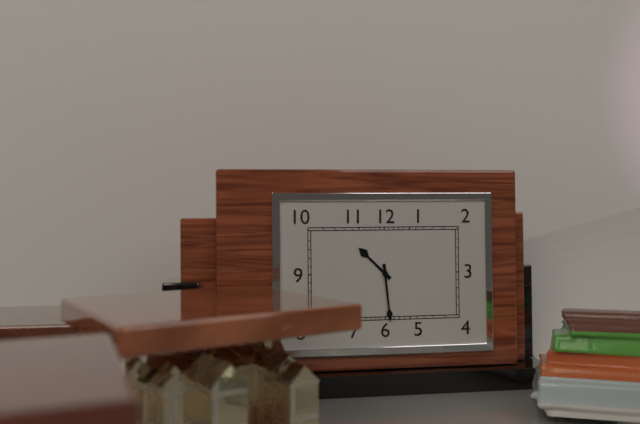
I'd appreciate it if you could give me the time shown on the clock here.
10:29
